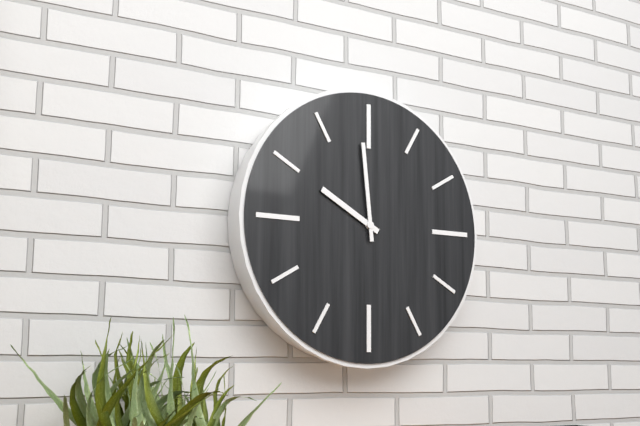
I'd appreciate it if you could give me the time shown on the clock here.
9:59
